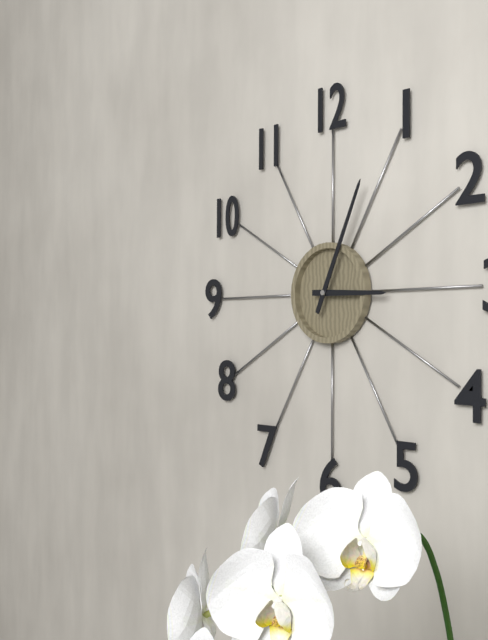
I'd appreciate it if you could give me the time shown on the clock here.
3:04
